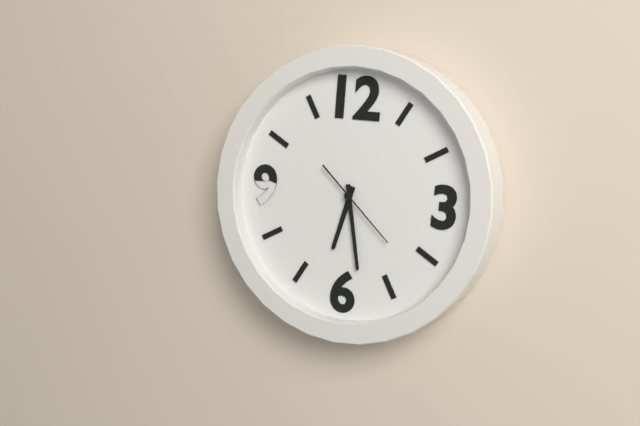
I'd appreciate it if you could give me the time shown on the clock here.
6:28:22
